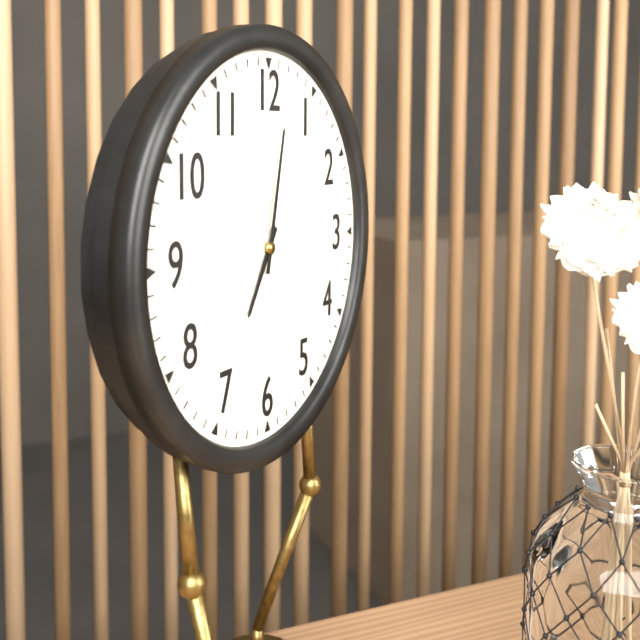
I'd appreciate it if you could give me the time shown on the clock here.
7:02
